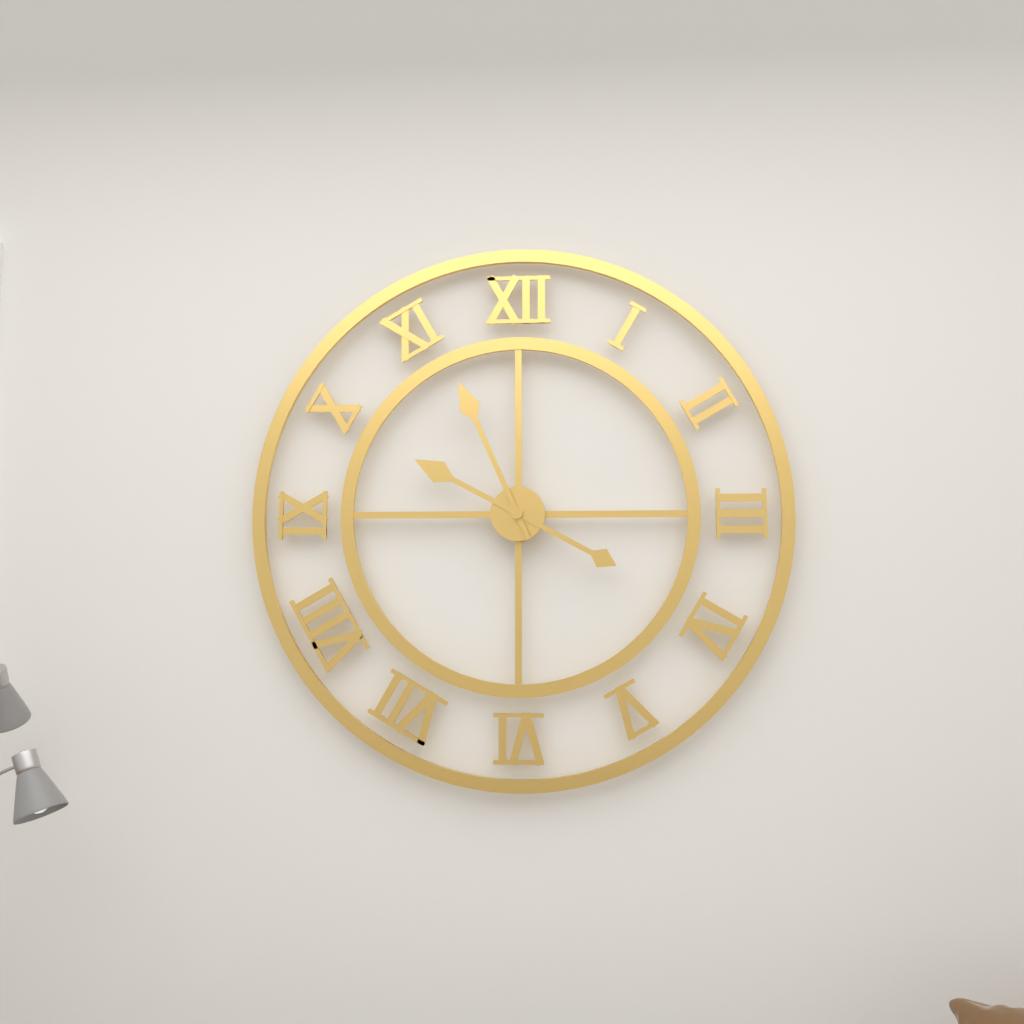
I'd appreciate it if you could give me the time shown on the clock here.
9:56
